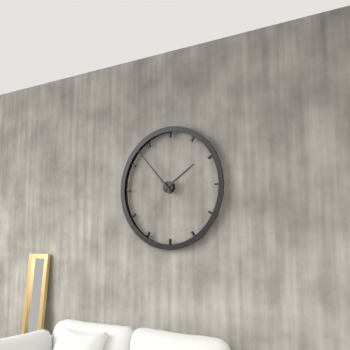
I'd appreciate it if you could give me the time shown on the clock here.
1:53
